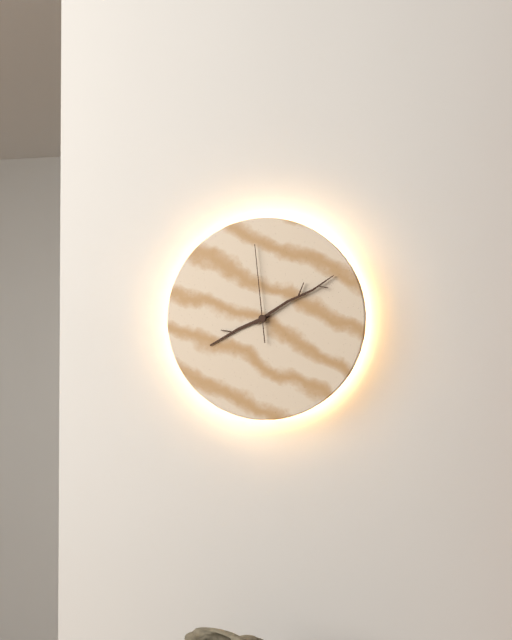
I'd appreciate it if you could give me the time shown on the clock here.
8:10:59
